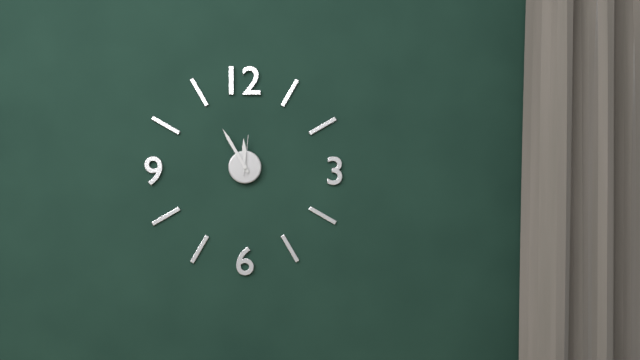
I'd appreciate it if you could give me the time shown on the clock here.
11:55
